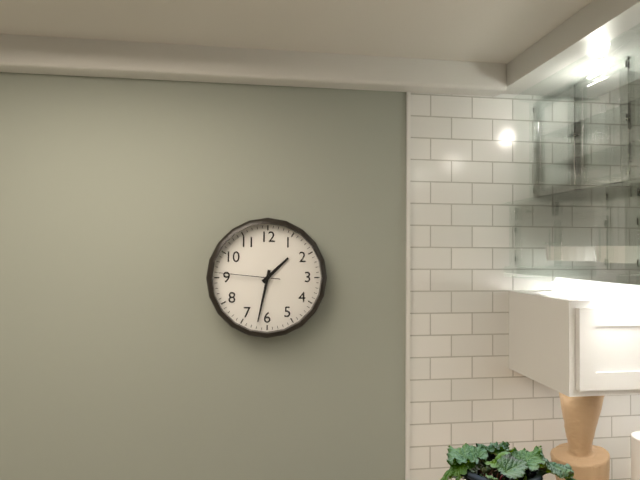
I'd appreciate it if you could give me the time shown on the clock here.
1:32:46
